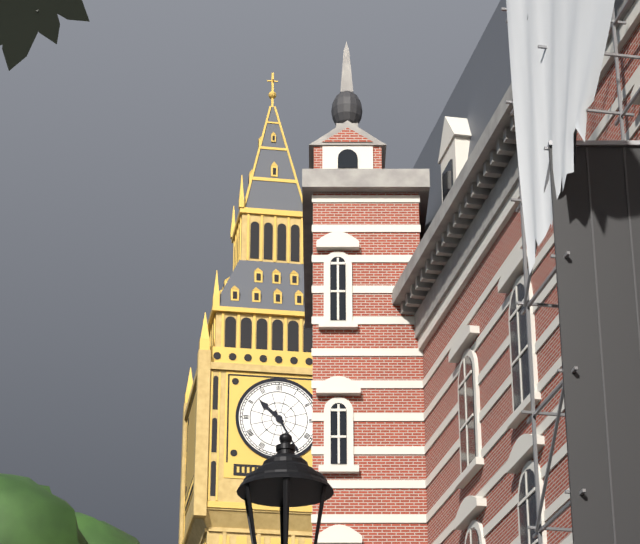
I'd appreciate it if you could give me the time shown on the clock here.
10:25
